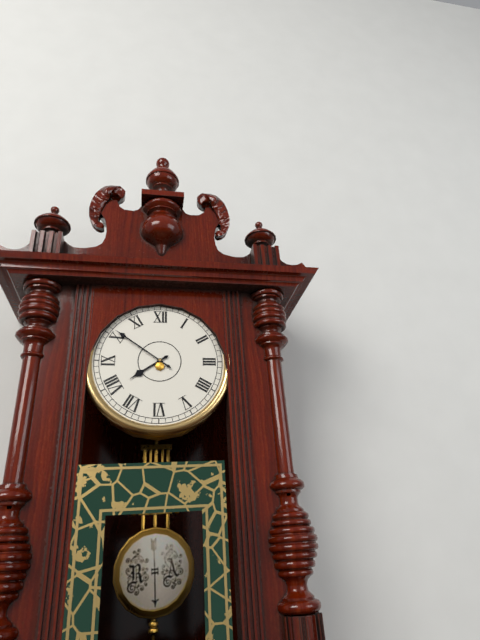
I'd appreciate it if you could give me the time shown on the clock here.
7:51
